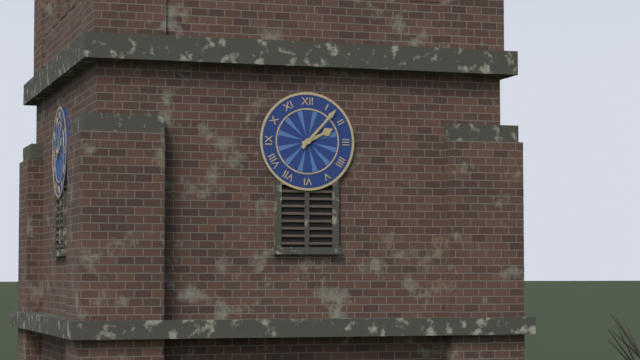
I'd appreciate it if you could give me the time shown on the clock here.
2:07
